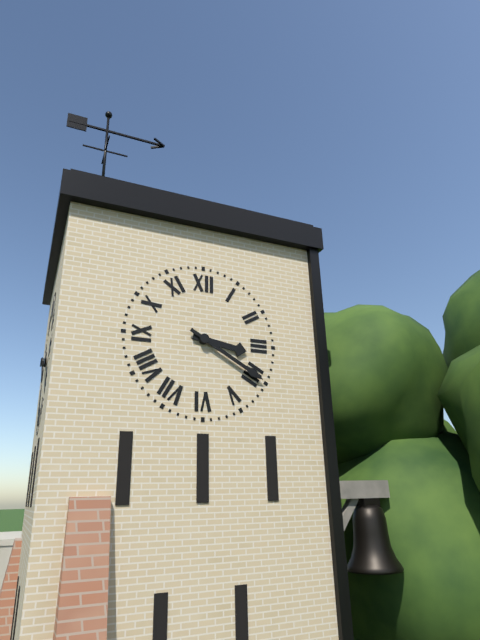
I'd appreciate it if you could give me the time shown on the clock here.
3:20
